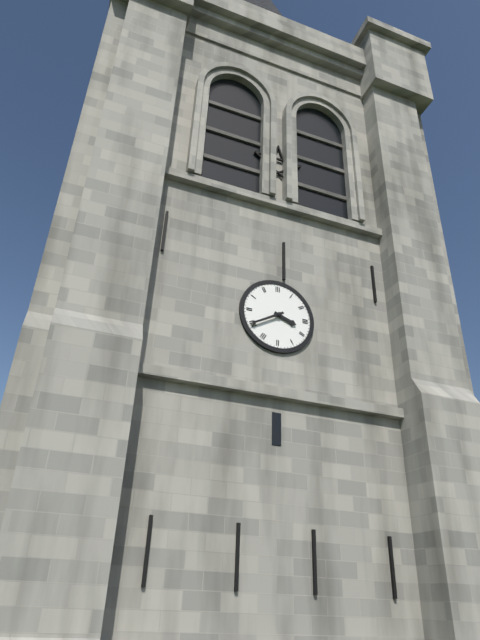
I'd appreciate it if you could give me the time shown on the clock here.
3:40
